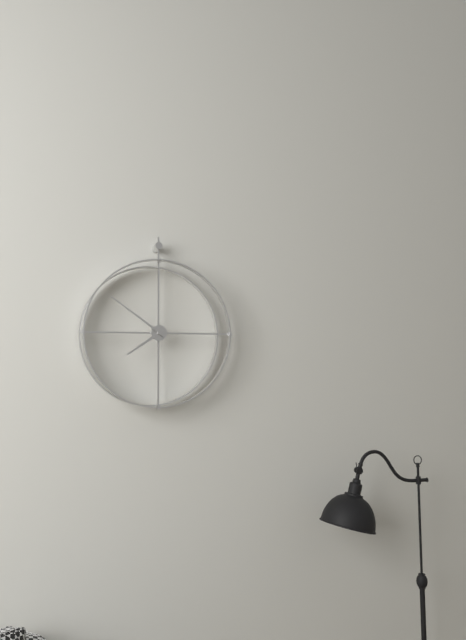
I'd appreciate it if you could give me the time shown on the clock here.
7:51
